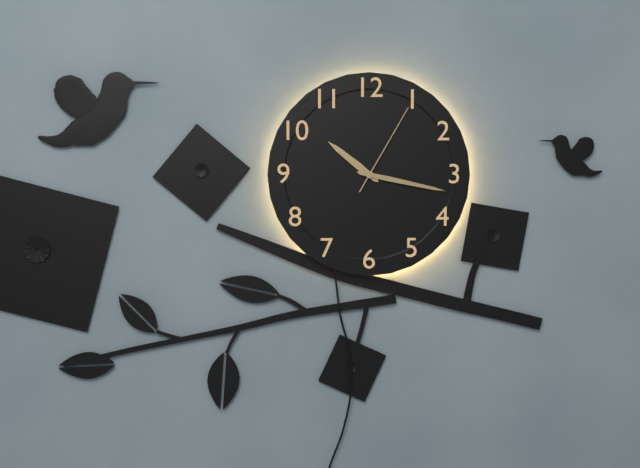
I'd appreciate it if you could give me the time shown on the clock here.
10:17:05
